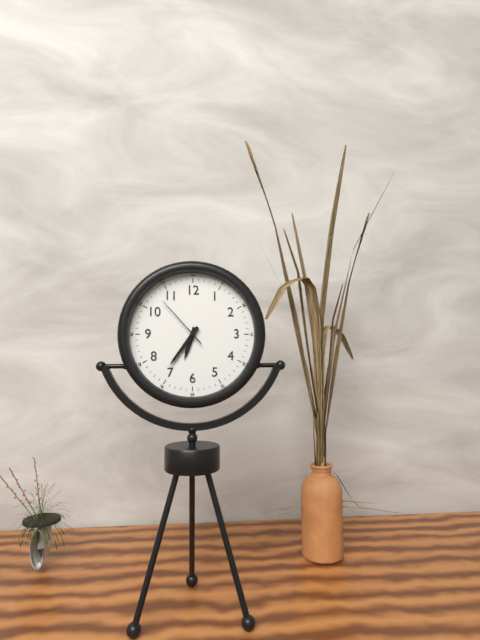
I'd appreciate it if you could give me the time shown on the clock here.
6:36:53
